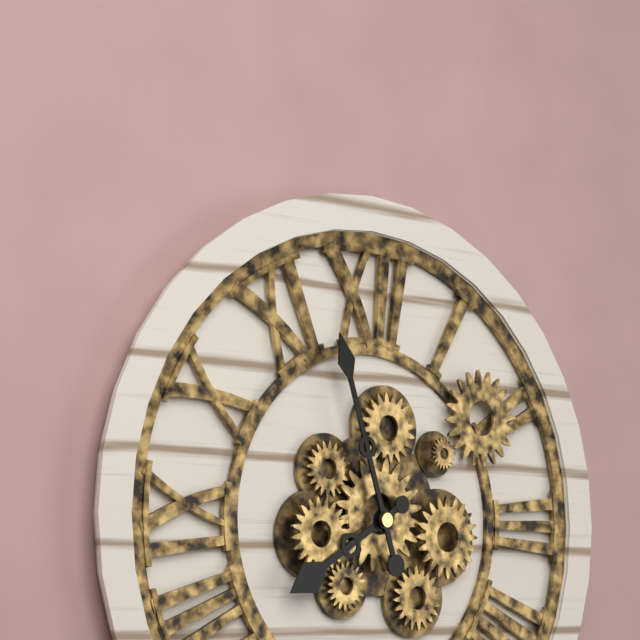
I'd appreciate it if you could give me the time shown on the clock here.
7:57
